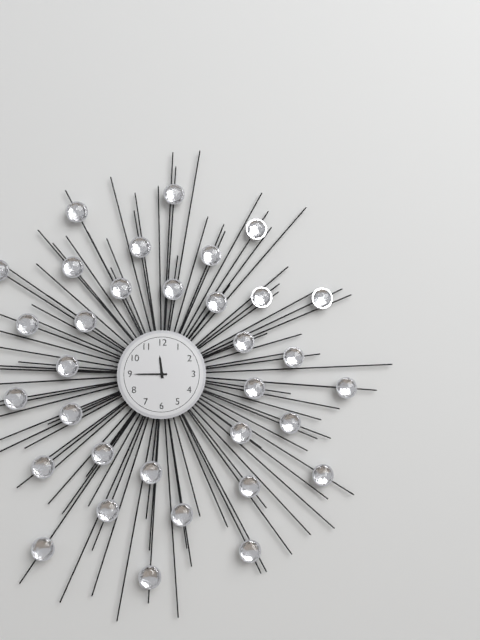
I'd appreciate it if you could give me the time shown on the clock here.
11:45
